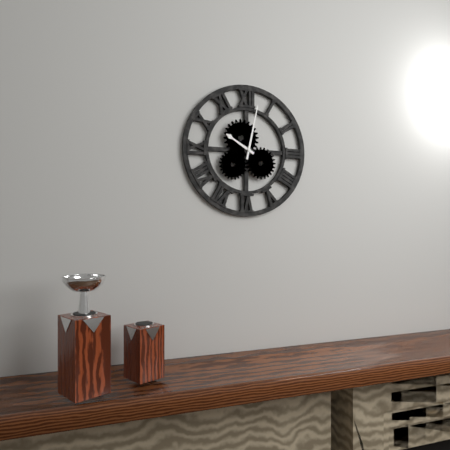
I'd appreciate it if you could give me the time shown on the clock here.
10:02
